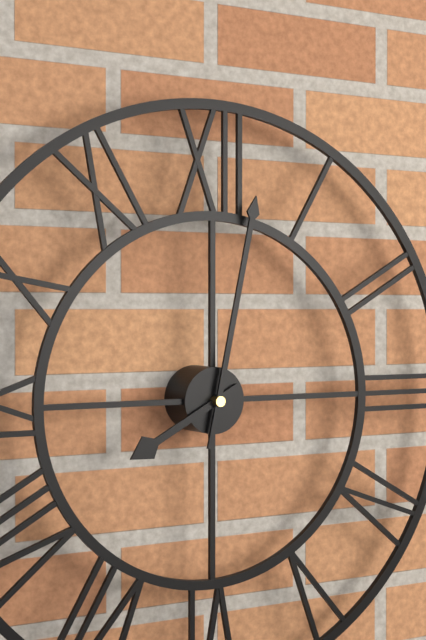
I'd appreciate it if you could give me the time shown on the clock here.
8:02
